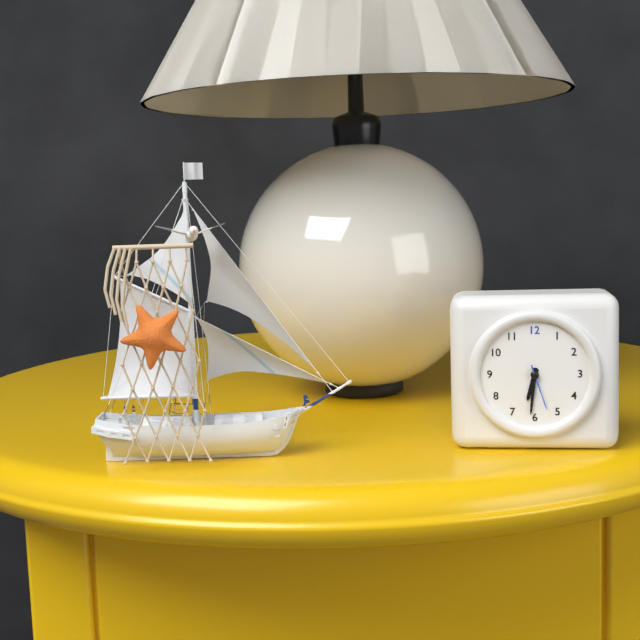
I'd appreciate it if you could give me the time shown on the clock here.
6:31
